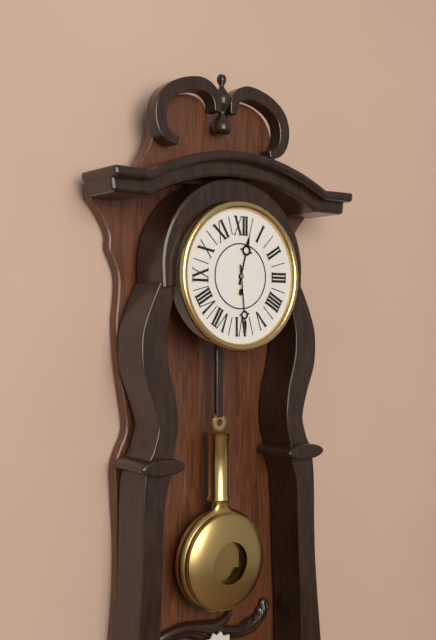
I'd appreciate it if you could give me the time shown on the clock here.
12:29
